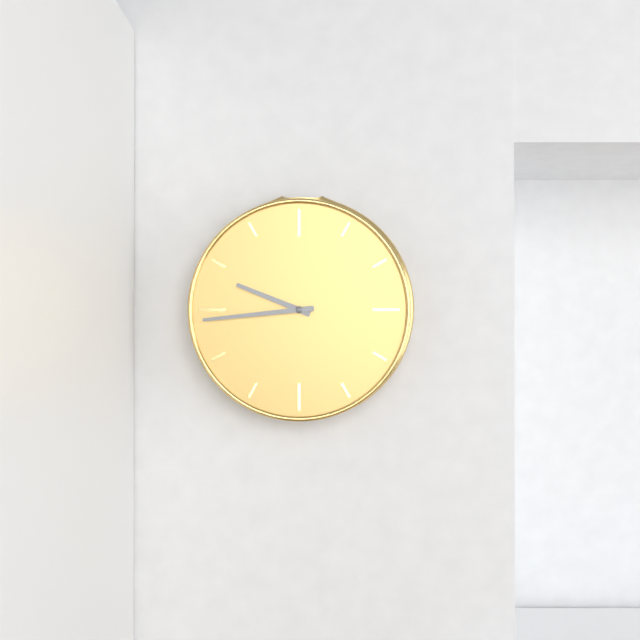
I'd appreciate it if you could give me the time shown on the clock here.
9:44
